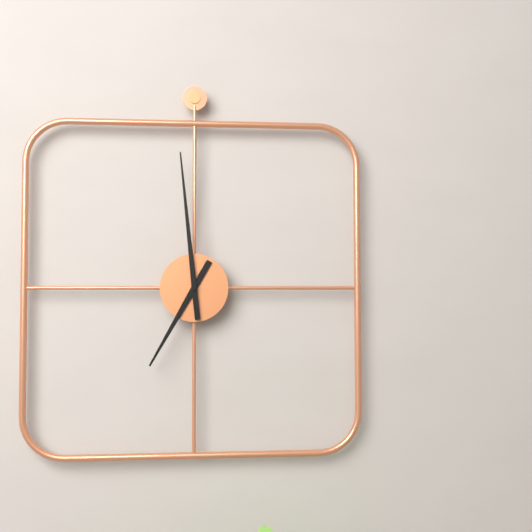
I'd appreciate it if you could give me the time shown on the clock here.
6:59
